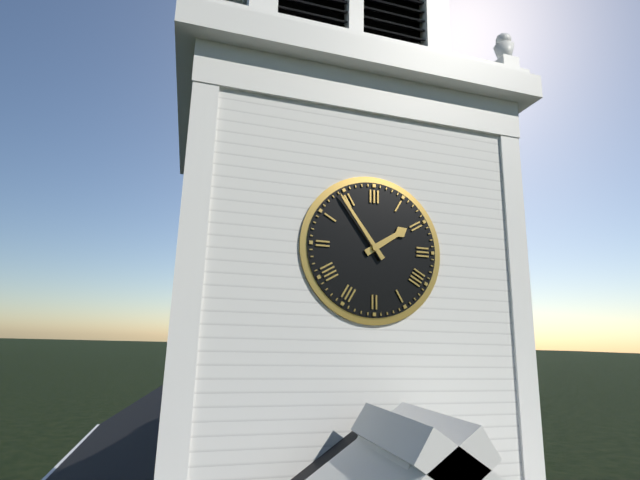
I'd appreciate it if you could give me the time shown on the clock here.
1:54
